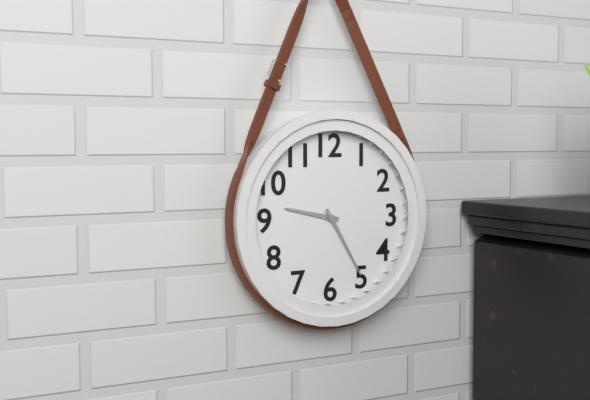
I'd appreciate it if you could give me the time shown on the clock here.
9:25
